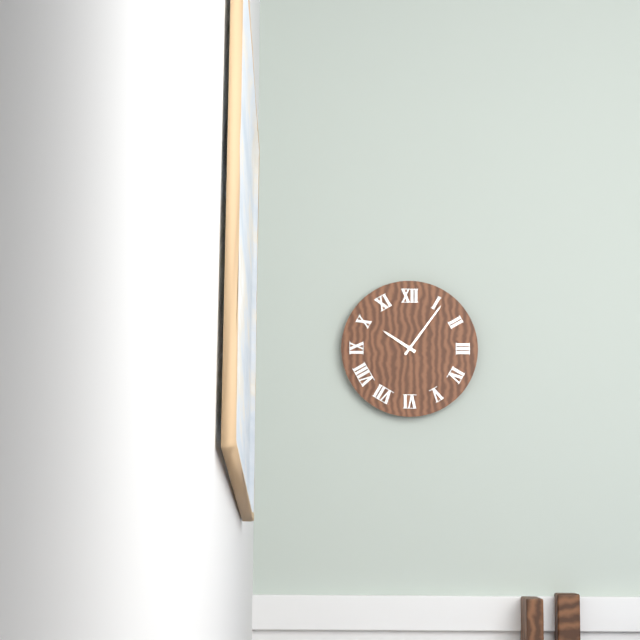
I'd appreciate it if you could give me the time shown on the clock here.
10:06
